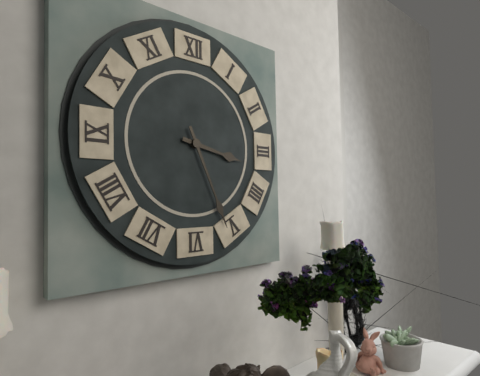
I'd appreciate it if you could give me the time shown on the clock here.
3:26
